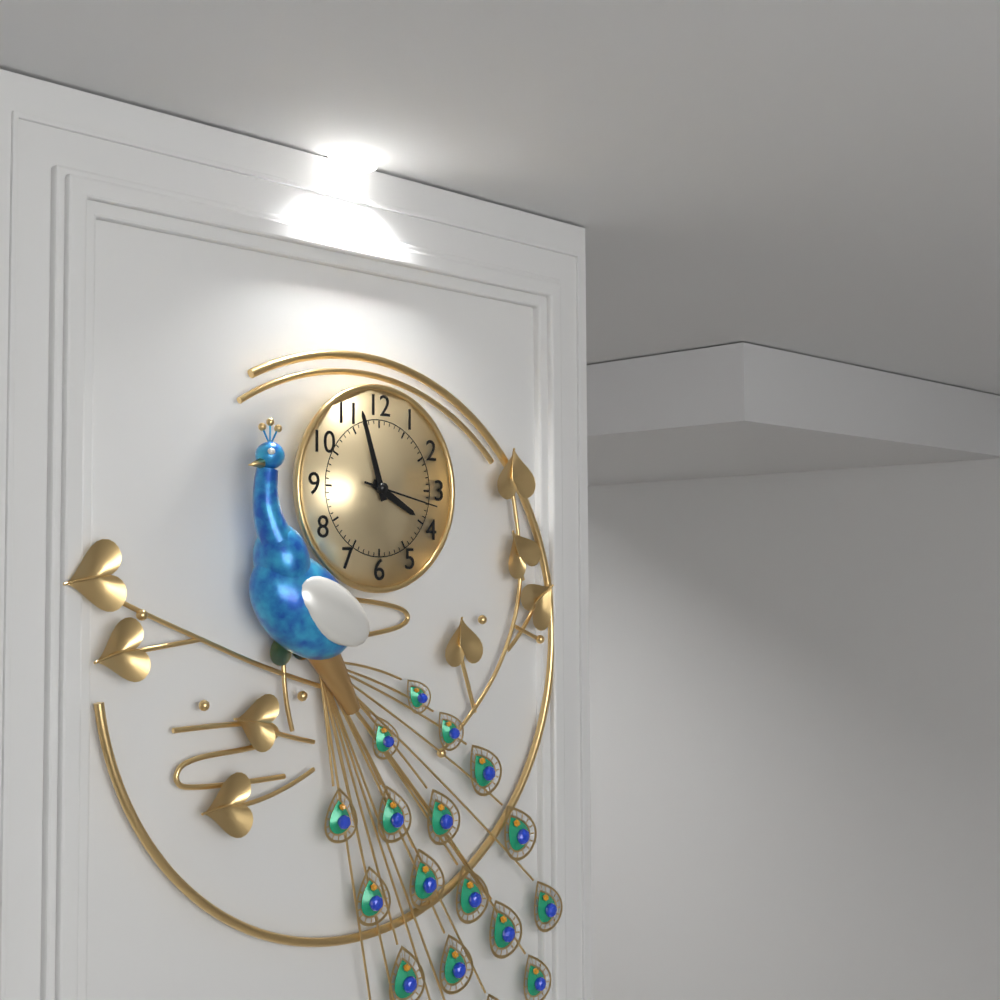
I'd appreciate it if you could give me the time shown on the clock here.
3:57:17
